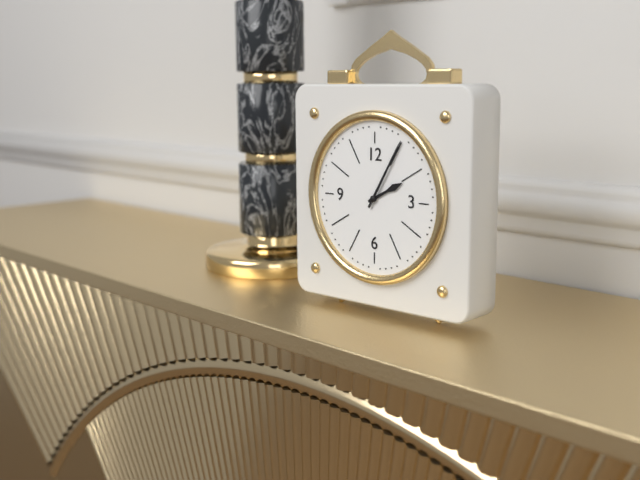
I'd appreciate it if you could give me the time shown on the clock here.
2:05
